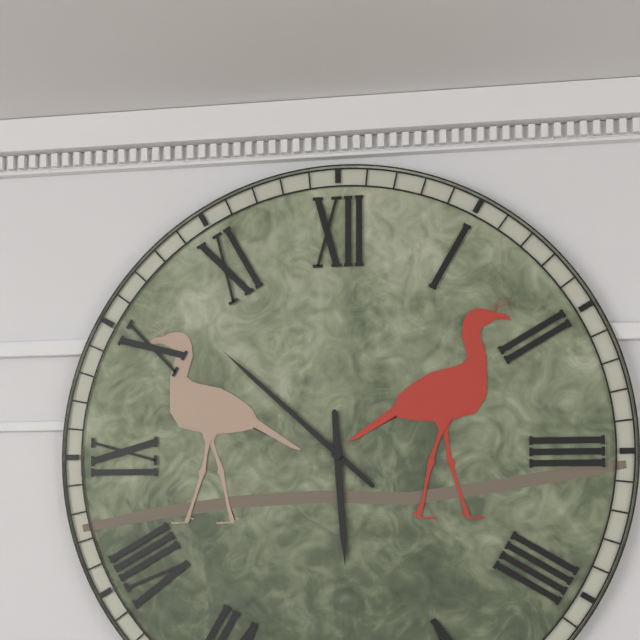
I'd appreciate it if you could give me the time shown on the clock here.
5:52
